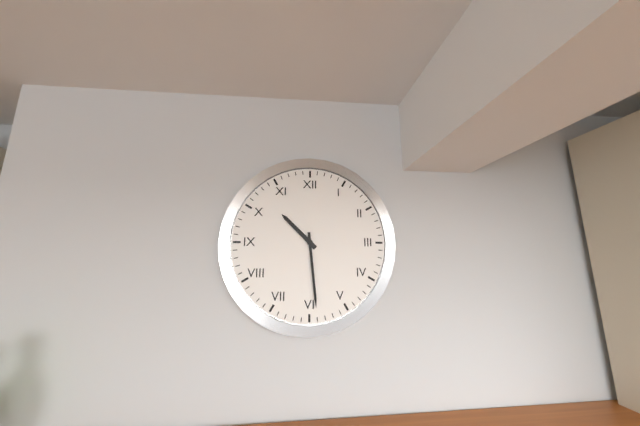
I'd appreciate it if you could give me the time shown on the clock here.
10:29
